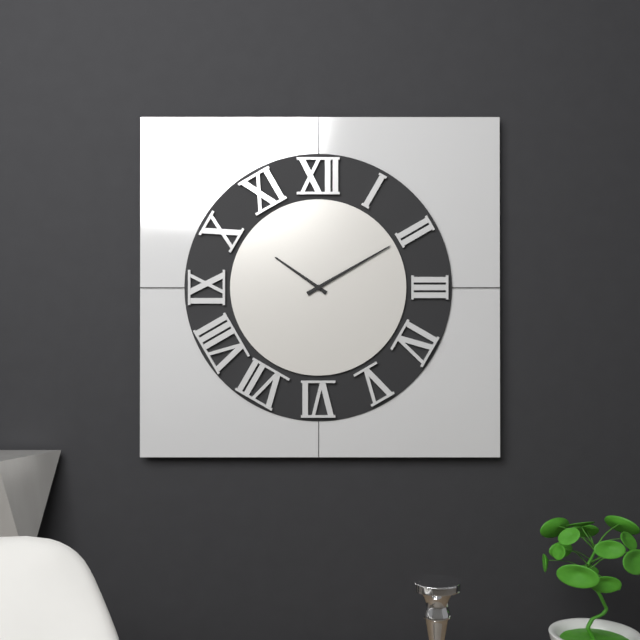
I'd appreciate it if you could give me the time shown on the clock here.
10:10
